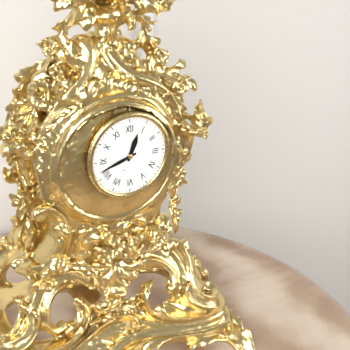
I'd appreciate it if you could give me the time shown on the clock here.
12:42
